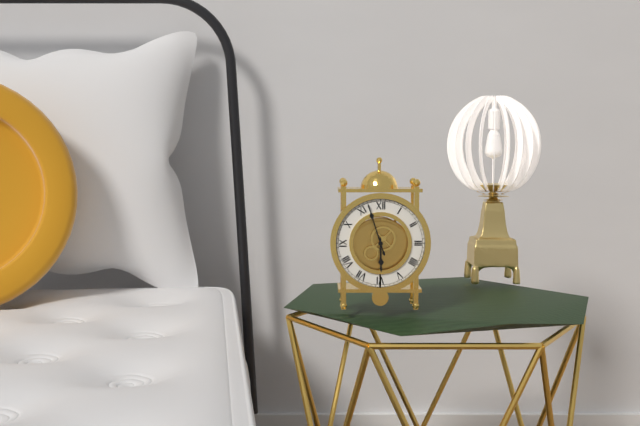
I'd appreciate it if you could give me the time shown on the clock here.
5:57
